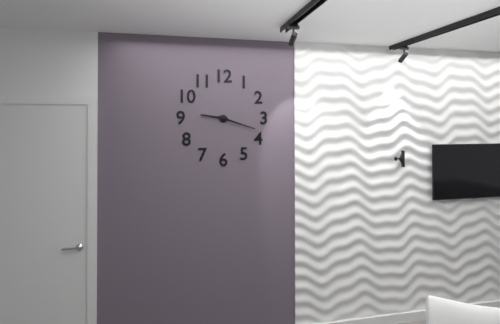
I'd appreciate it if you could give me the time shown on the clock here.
9:18
